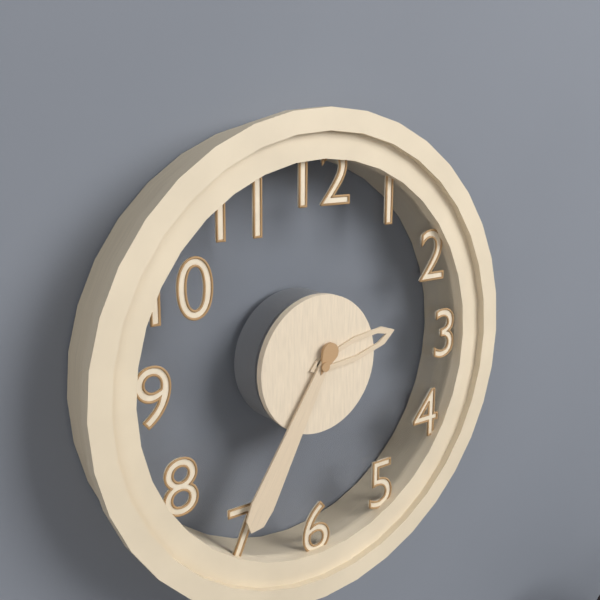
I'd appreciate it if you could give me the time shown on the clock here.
2:35
